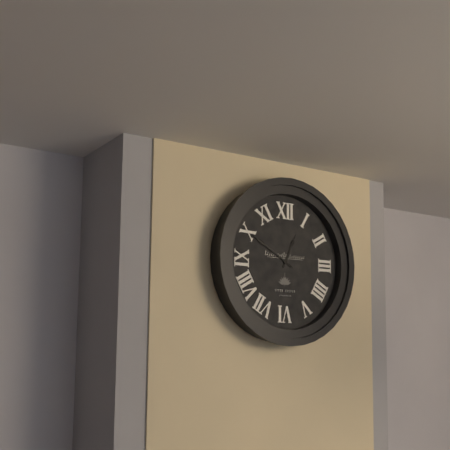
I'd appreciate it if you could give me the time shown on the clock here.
12:50
